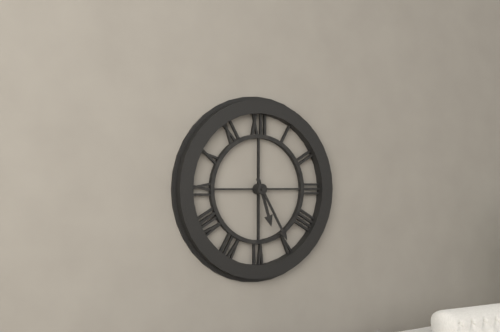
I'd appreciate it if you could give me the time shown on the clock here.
5:25
